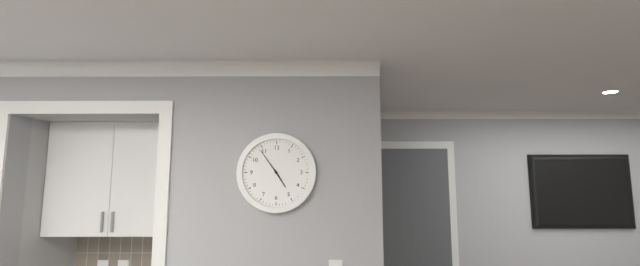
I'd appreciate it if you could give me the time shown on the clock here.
4:54
